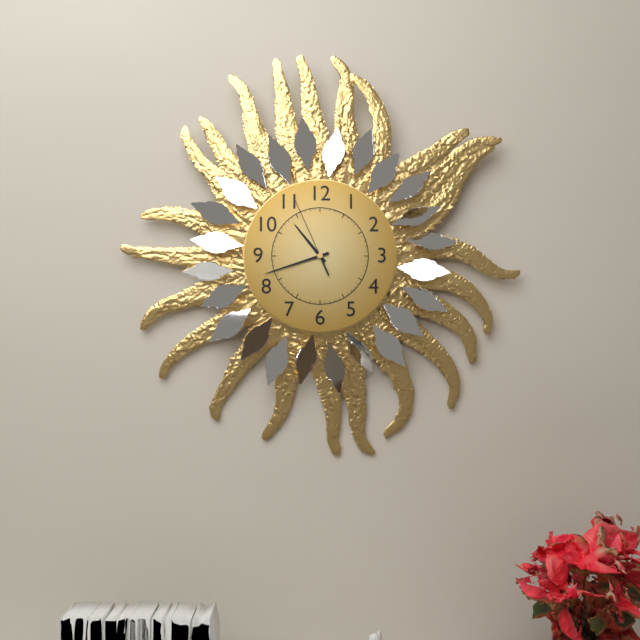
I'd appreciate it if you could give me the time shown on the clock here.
10:42:56
